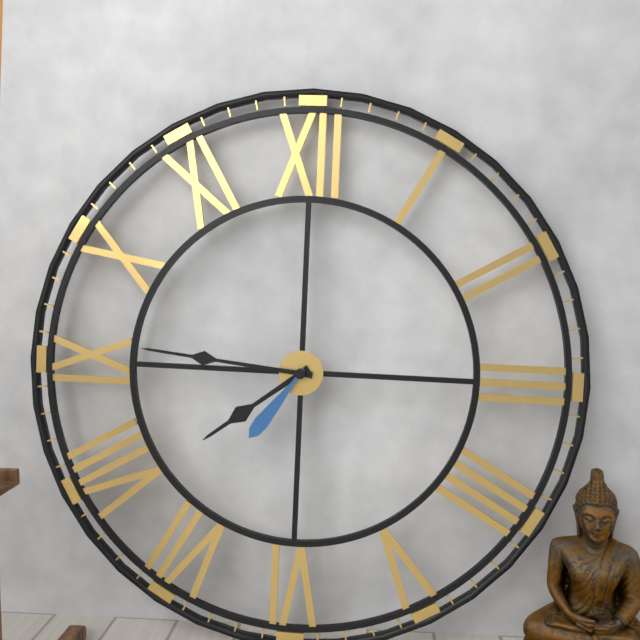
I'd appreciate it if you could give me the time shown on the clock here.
7:46:36
